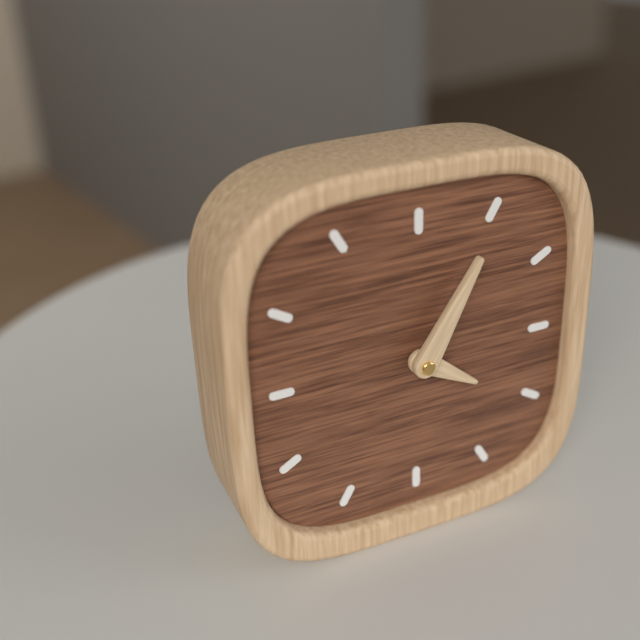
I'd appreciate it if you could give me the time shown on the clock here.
4:05
